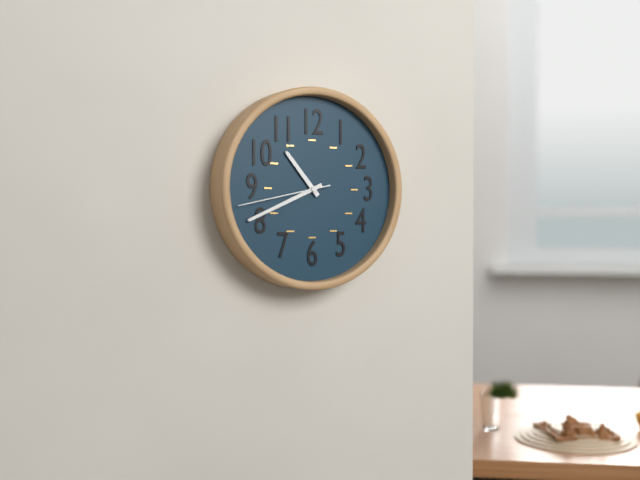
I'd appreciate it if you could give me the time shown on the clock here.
10:41:43
